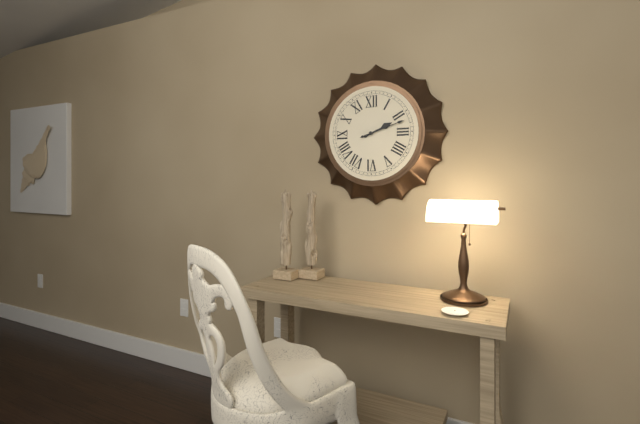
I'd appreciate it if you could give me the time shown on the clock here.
2:12
